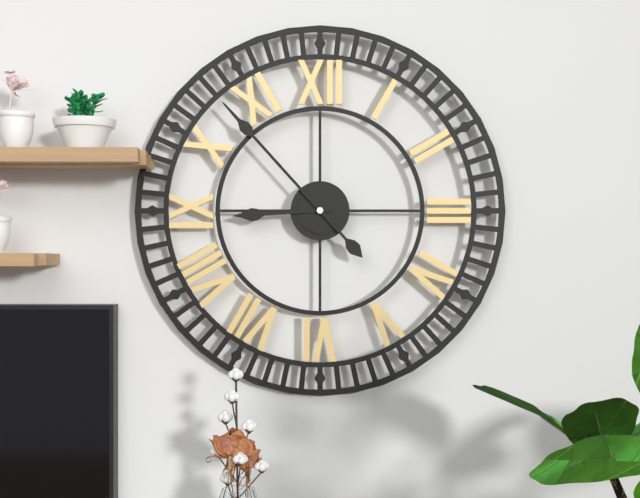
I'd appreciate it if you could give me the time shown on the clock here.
8:53
